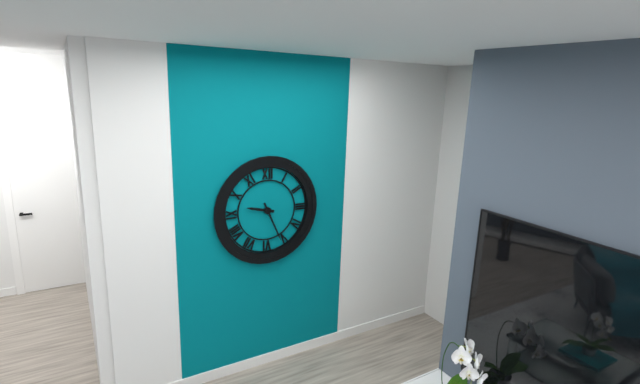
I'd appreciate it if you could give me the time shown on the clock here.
9:26
